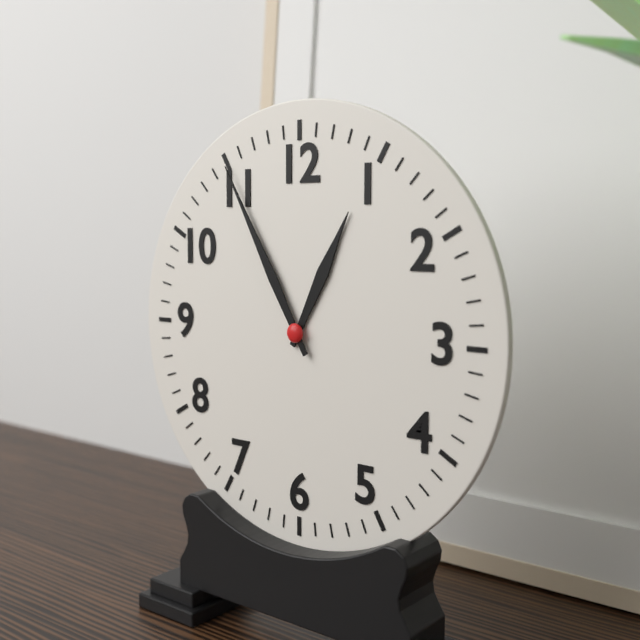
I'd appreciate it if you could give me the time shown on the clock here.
12:55
